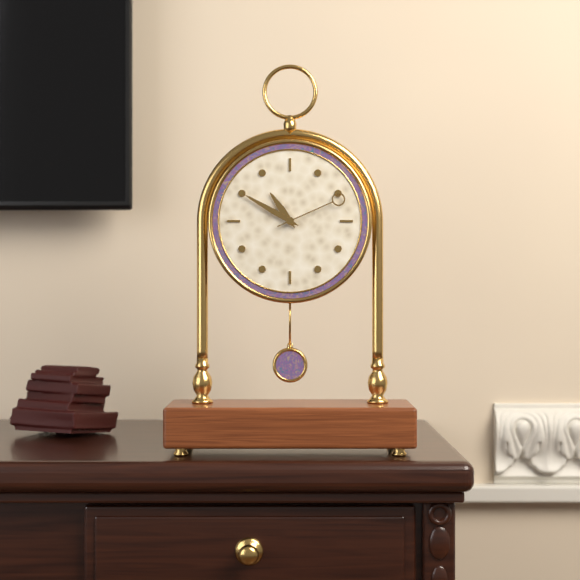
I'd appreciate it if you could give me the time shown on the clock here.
10:50:11
